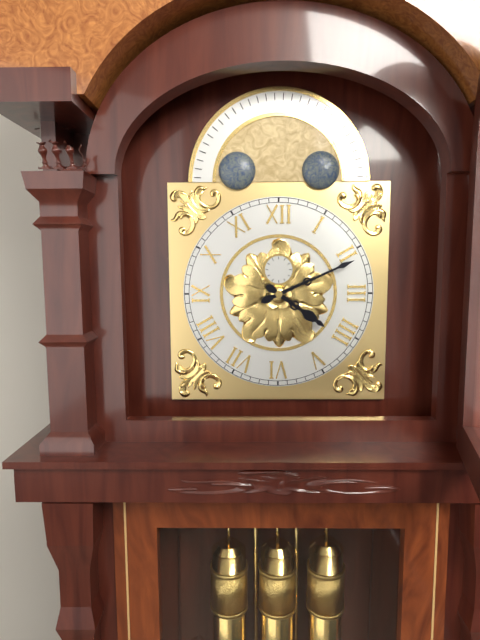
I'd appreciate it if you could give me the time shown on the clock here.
4:11
